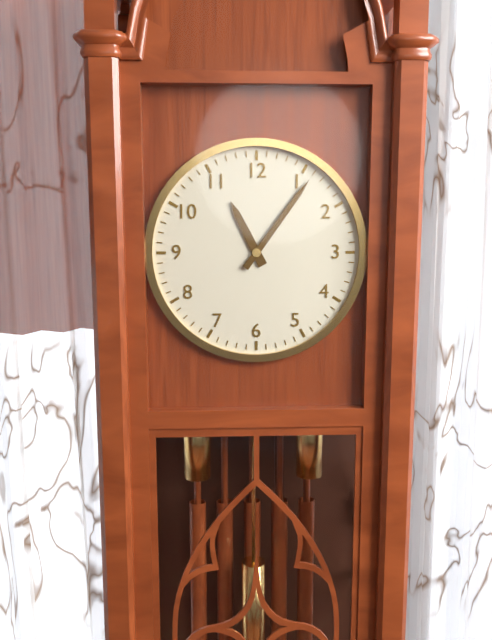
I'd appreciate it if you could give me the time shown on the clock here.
11:06
